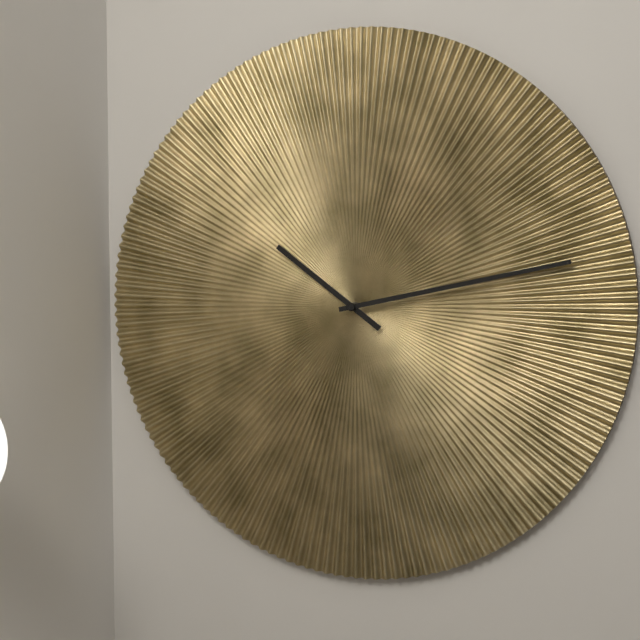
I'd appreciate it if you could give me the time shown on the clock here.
10:13
